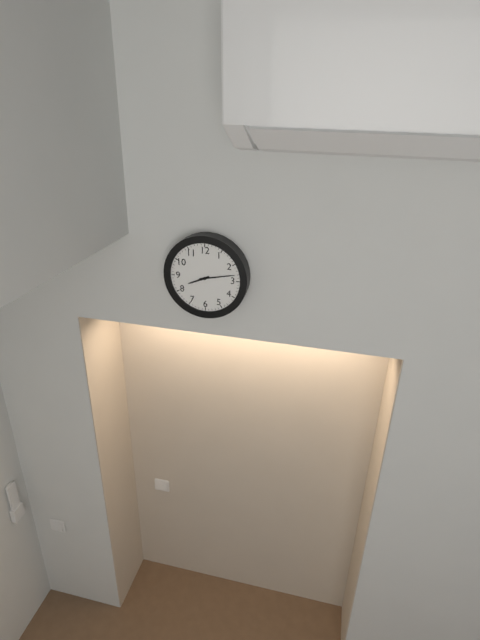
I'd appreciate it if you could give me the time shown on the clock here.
8:13
